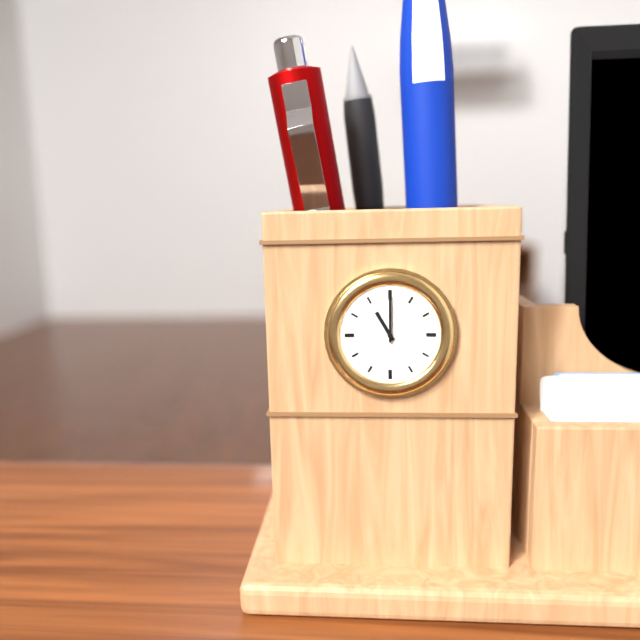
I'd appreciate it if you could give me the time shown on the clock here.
11:00
